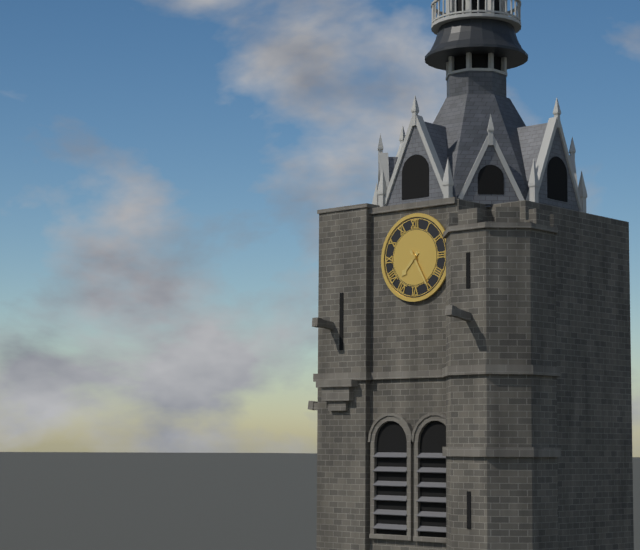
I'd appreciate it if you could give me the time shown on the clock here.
7:25
